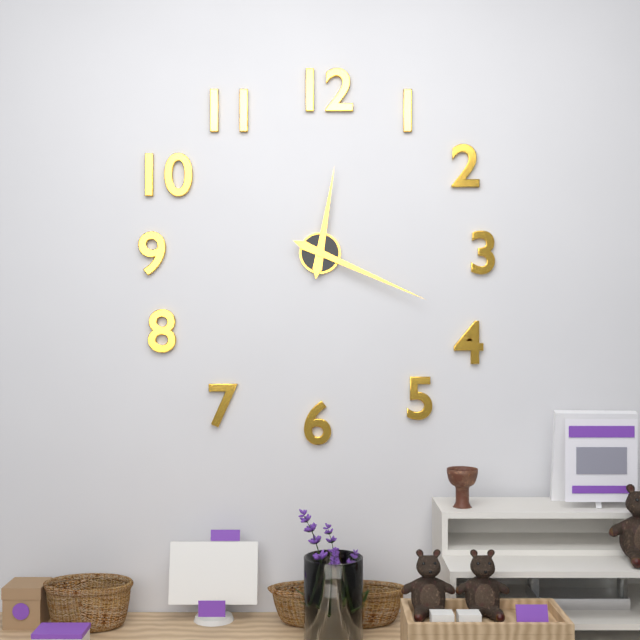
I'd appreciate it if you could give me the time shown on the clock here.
12:19
